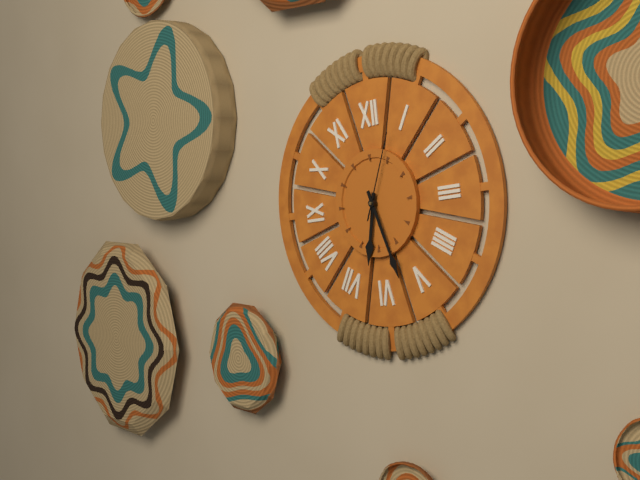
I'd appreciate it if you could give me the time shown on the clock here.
6:27:04
